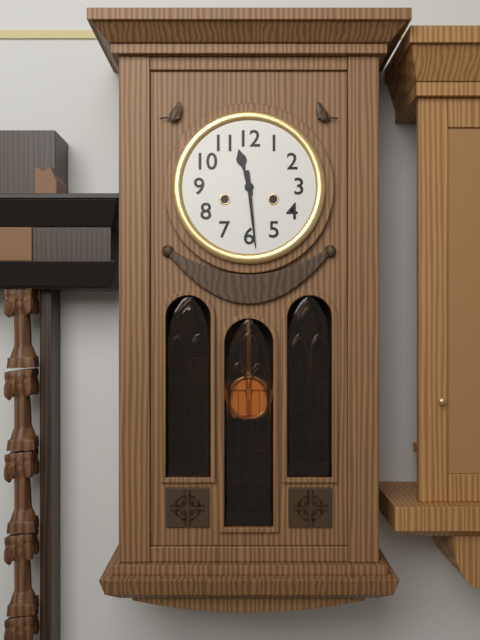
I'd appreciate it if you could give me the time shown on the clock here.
11:29
